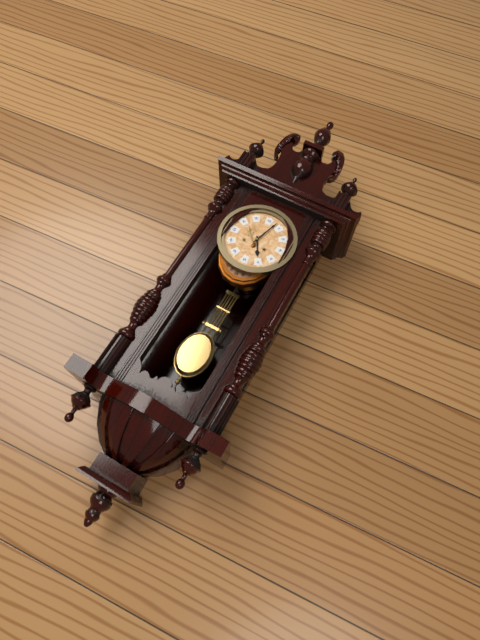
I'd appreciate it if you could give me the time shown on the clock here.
5:03
